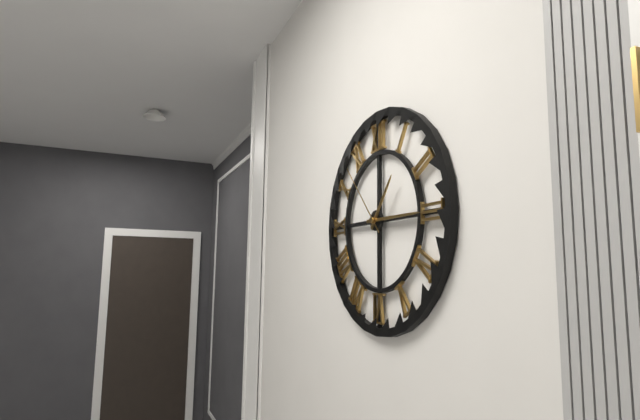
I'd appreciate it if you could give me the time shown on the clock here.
1:15:53
